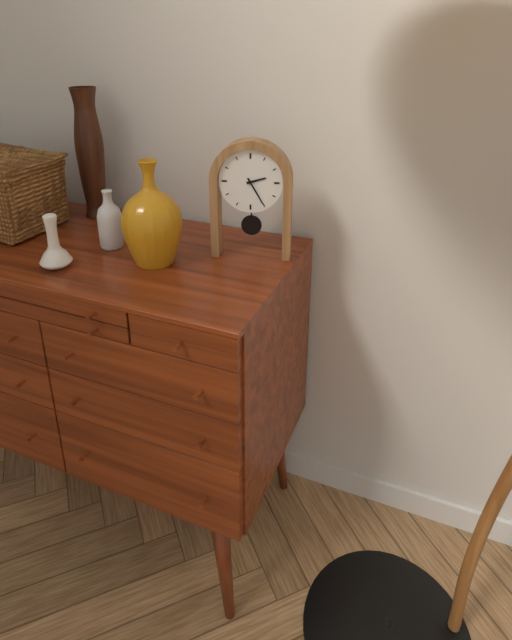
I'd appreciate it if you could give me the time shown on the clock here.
2:25
